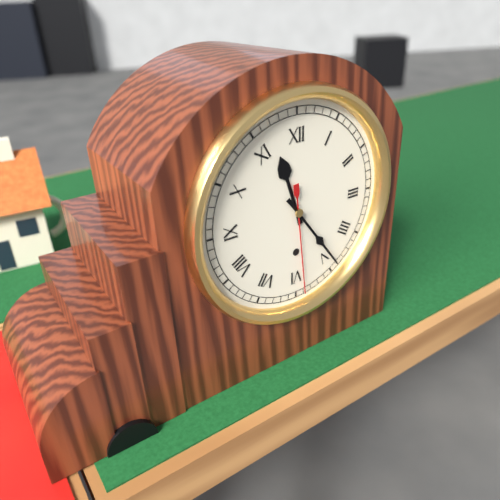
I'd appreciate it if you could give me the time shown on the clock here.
11:24:29
